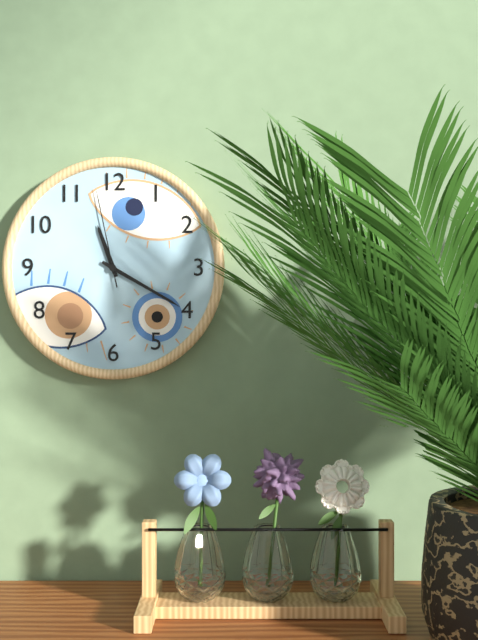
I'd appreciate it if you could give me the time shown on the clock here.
11:20:58
